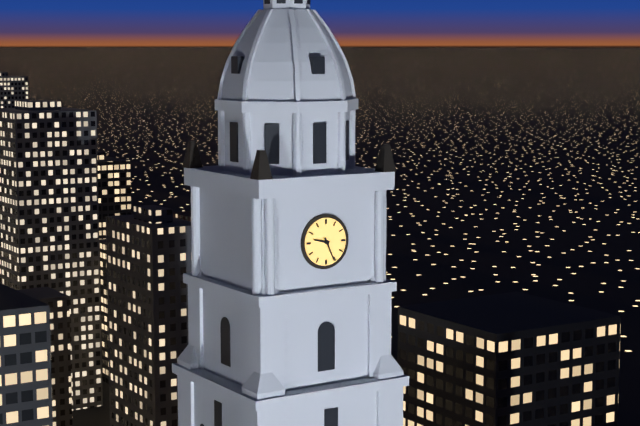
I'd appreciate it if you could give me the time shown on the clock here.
9:26
